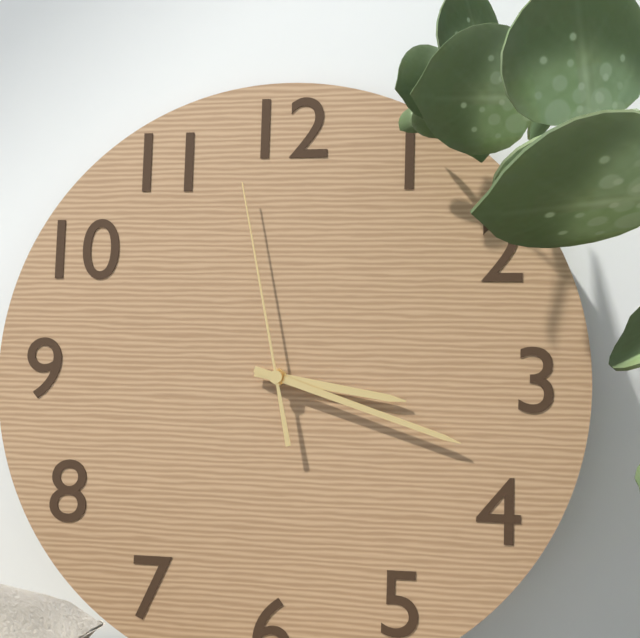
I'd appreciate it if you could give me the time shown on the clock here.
3:18:58
